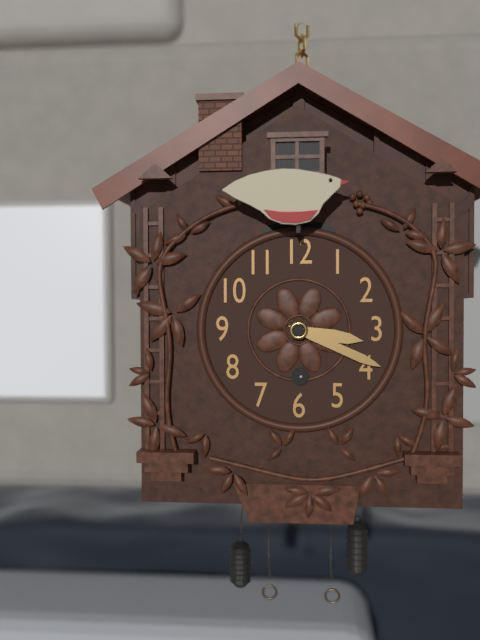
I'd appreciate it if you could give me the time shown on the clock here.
3:19
